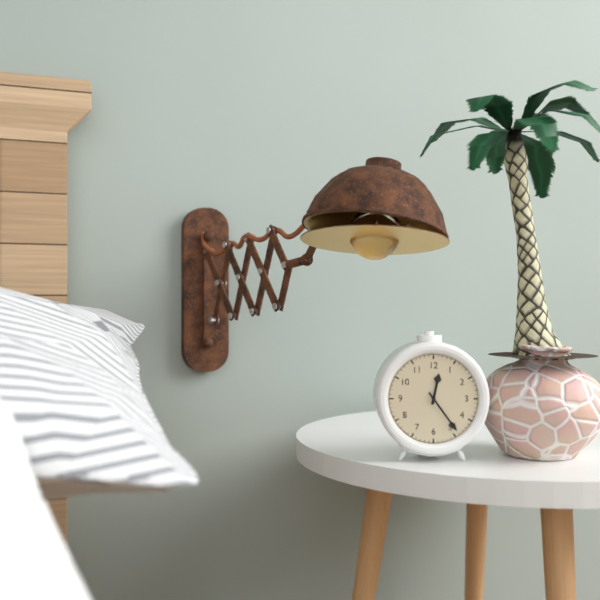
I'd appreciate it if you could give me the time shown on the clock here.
12:24
